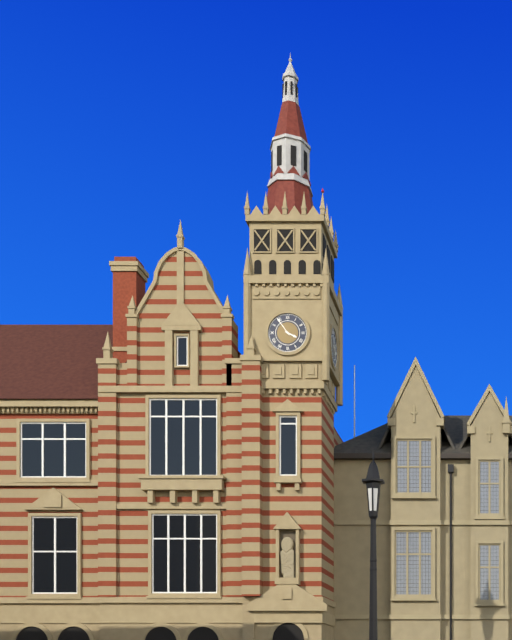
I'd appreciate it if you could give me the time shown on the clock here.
3:54
